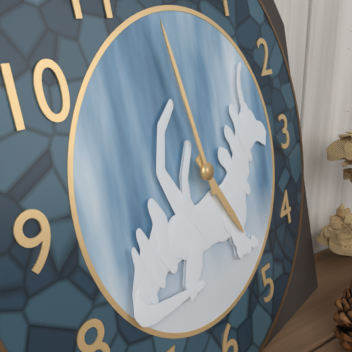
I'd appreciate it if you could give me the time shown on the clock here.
4:58
